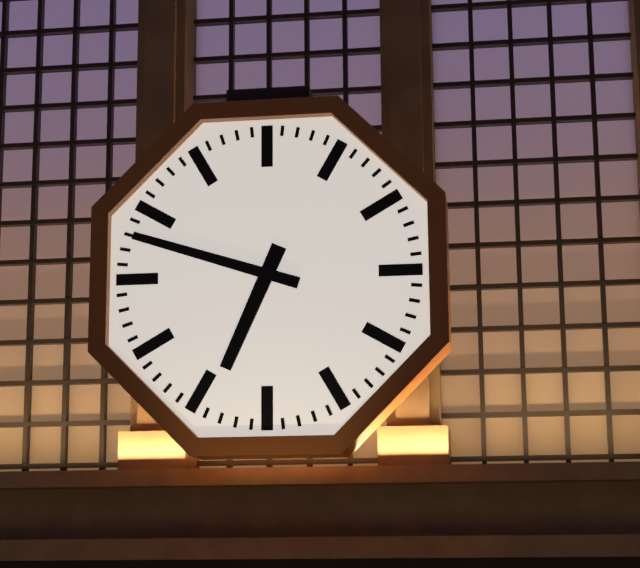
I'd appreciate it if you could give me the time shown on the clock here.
6:48
